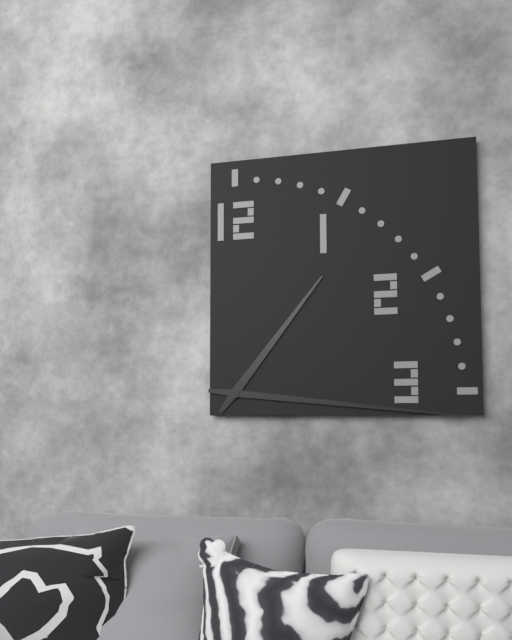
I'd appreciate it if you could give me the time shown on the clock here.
1:16
